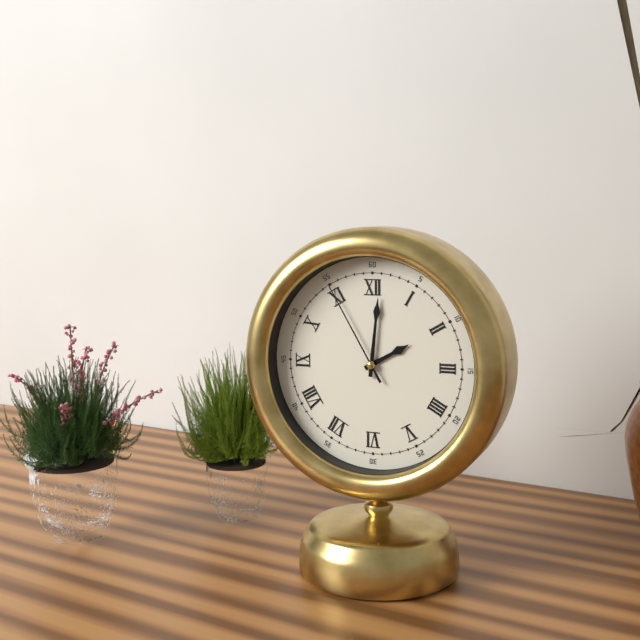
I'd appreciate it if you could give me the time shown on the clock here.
2:01:55
